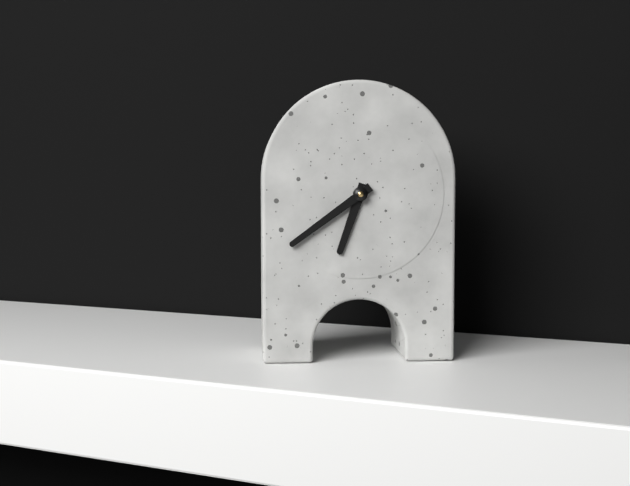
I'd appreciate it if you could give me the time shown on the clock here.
6:39
